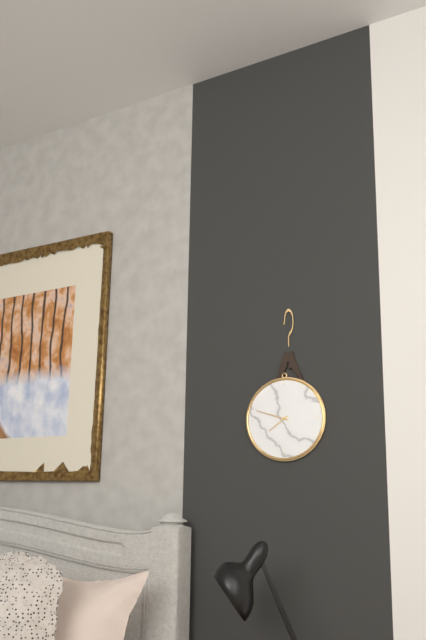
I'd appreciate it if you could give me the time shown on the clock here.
7:48
